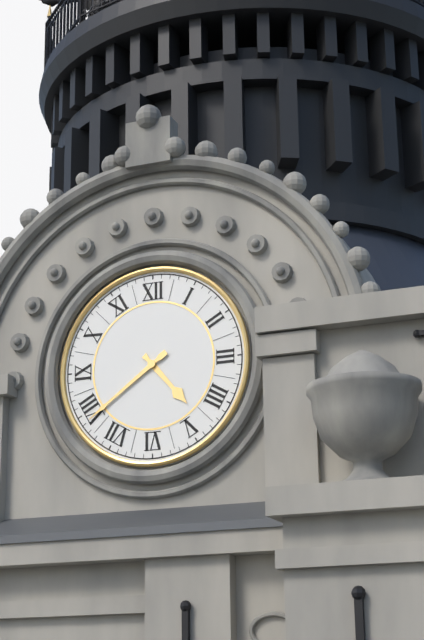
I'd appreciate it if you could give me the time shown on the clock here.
4:39
